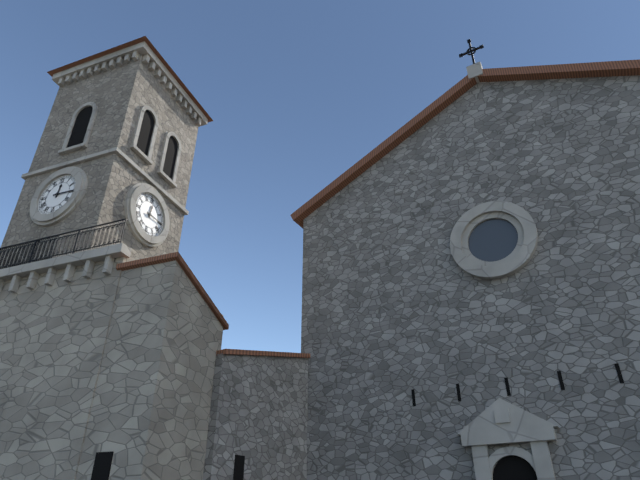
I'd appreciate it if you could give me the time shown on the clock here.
12:15
